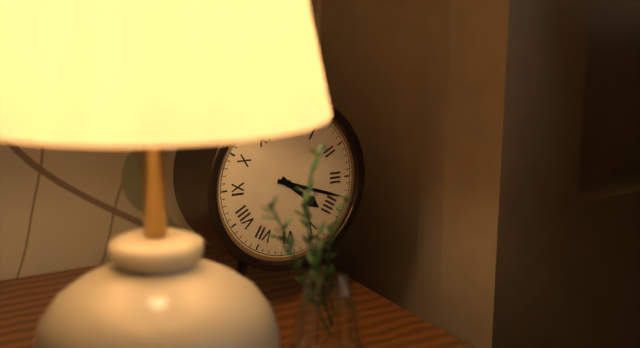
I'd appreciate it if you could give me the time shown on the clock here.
4:18
